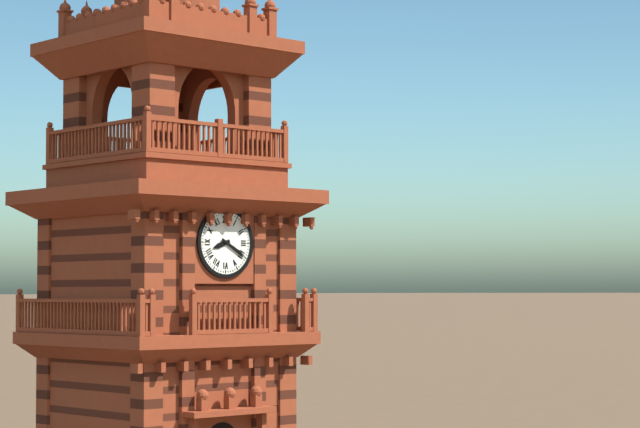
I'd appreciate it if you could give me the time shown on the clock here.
8:20
